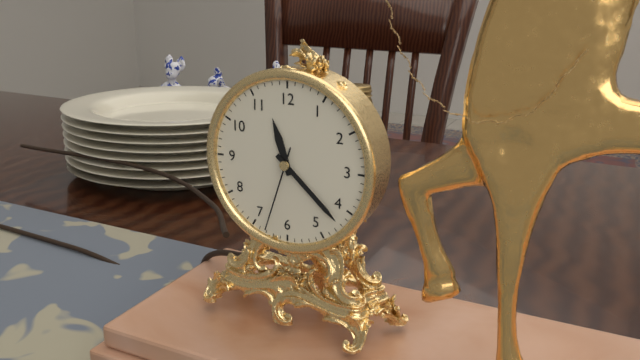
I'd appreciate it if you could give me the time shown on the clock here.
11:22:33
